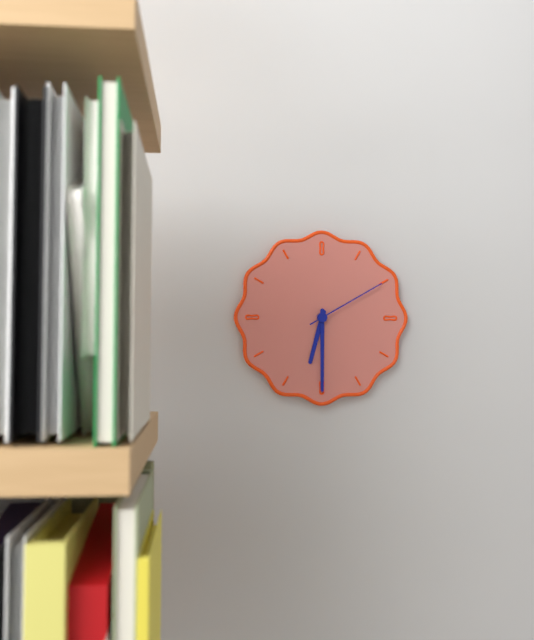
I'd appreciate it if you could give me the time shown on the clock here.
6:30:10
